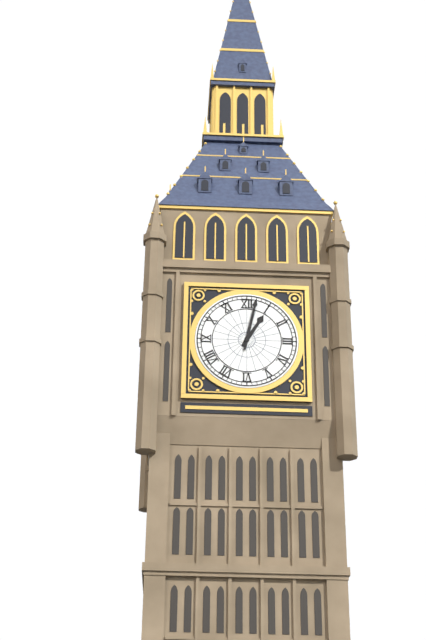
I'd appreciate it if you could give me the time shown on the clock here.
1:02
